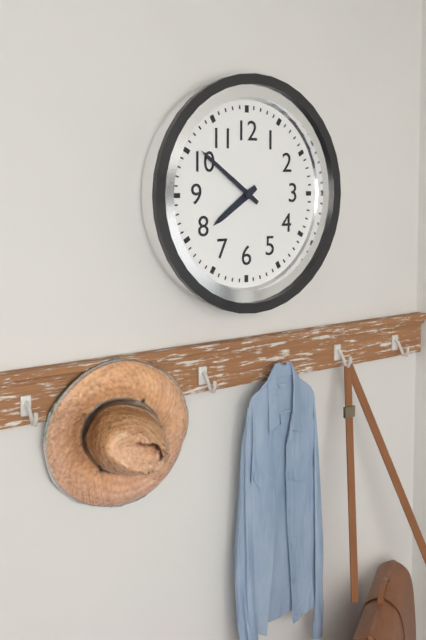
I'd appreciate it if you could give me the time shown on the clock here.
7:51
